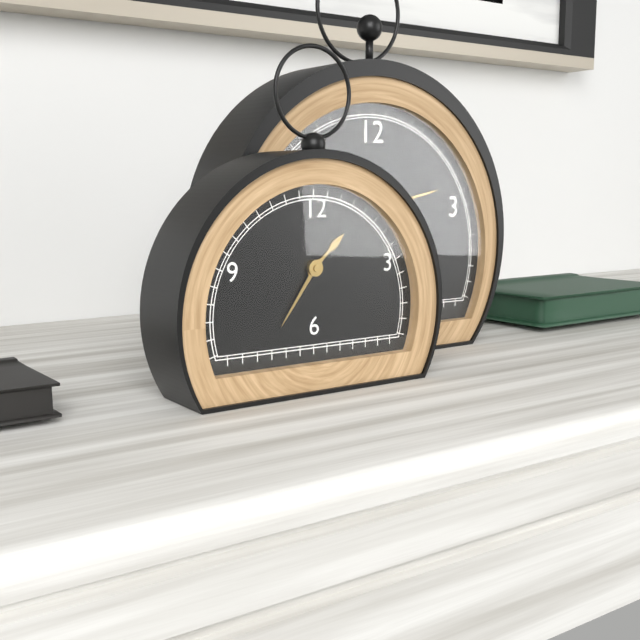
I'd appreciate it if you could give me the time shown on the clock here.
1:36
